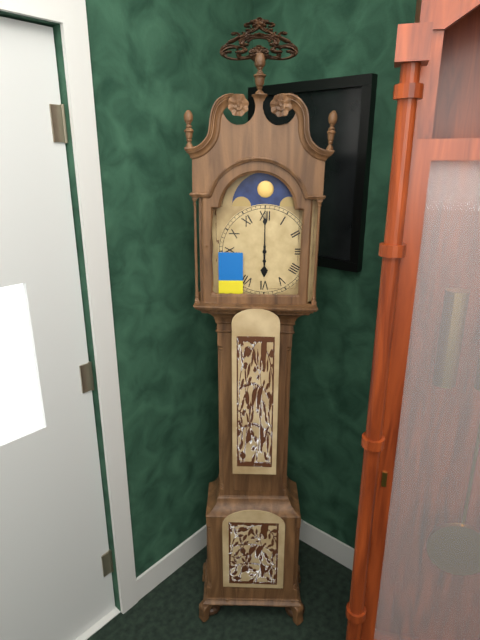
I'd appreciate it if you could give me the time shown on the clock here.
6:00
